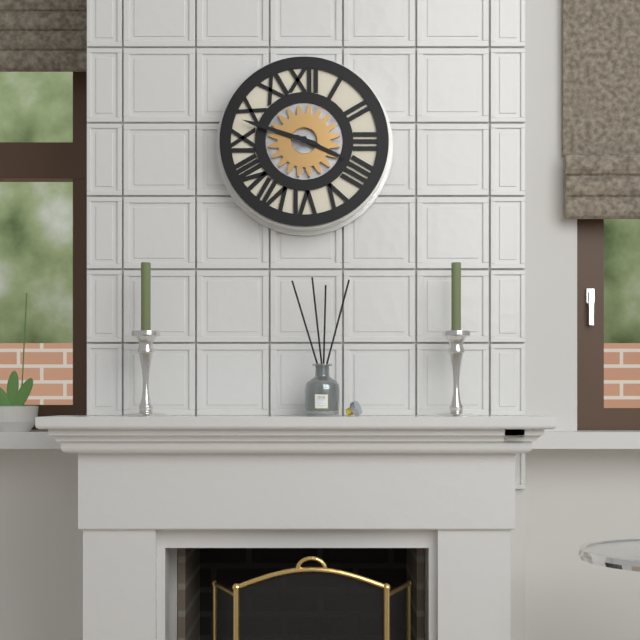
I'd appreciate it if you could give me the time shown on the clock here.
3:48
